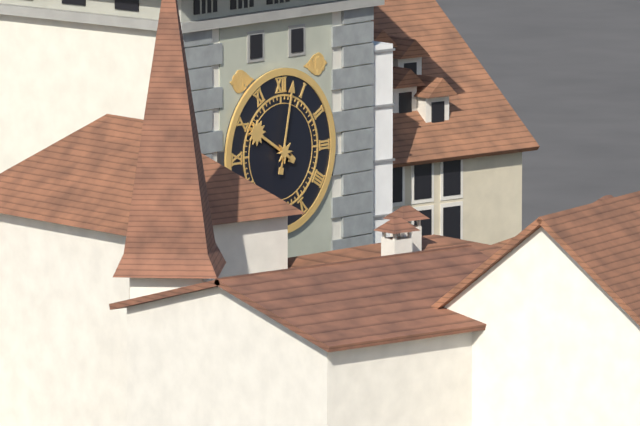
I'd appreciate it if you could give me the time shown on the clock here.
10:02
